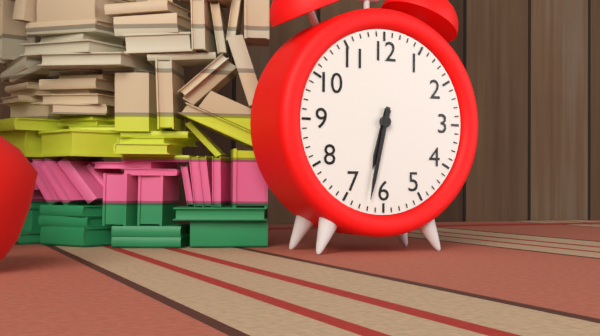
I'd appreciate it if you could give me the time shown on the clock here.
6:32
